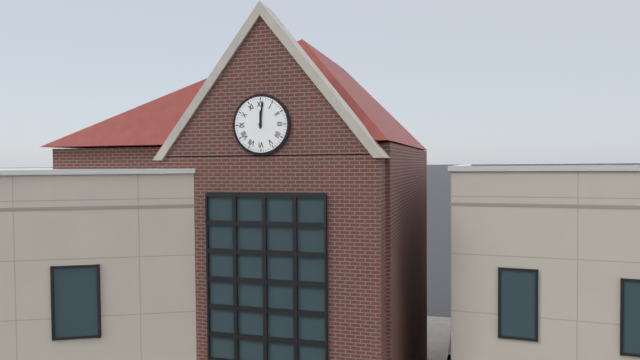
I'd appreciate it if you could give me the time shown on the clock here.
12:01
